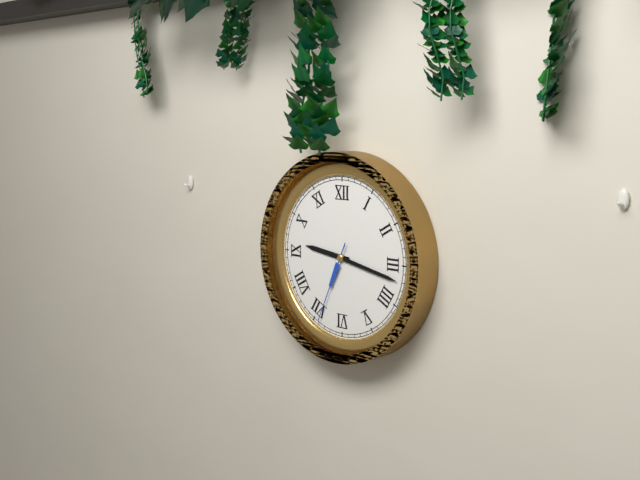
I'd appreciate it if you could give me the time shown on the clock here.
9:17:34
